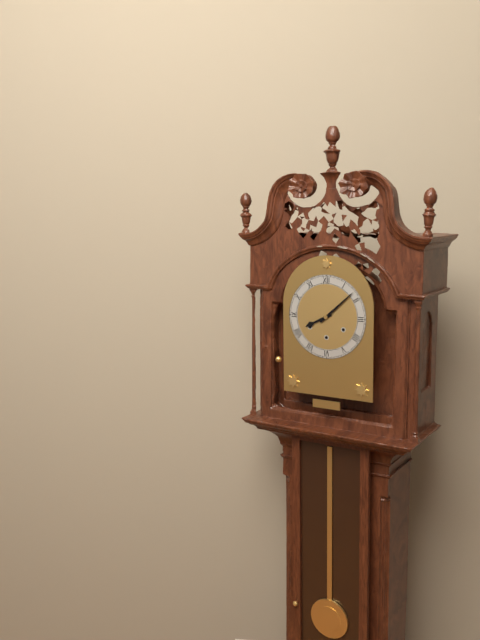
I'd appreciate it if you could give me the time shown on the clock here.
8:08
